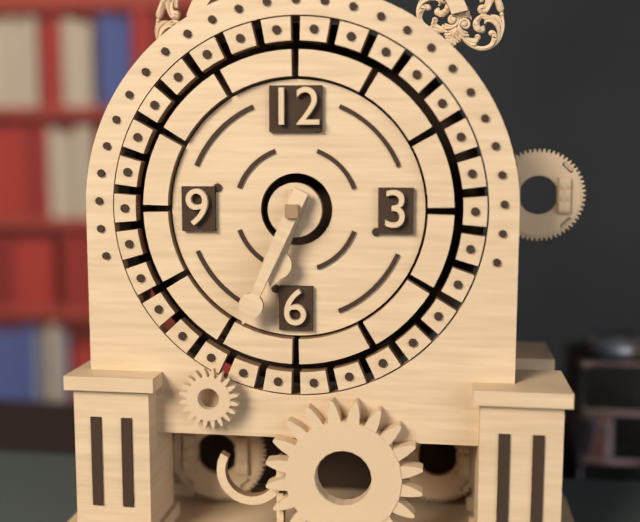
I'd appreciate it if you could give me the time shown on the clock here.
6:34
